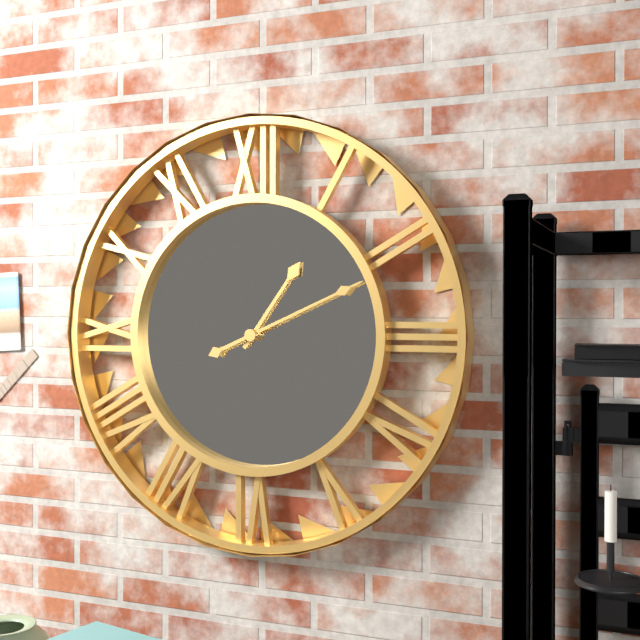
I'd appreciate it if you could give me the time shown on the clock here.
1:11
